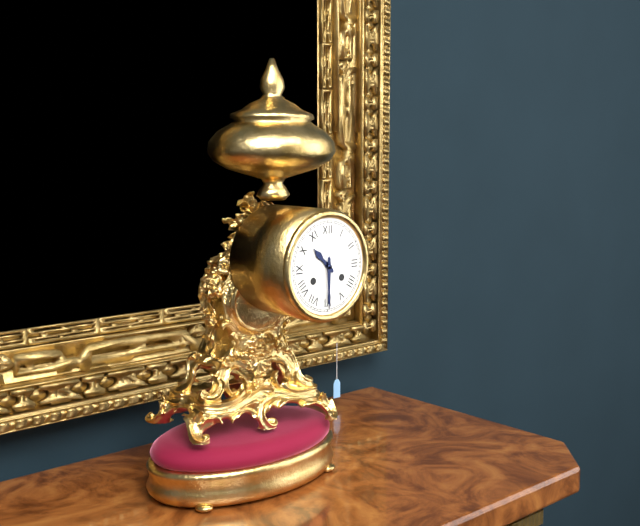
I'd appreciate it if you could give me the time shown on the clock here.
10:30
